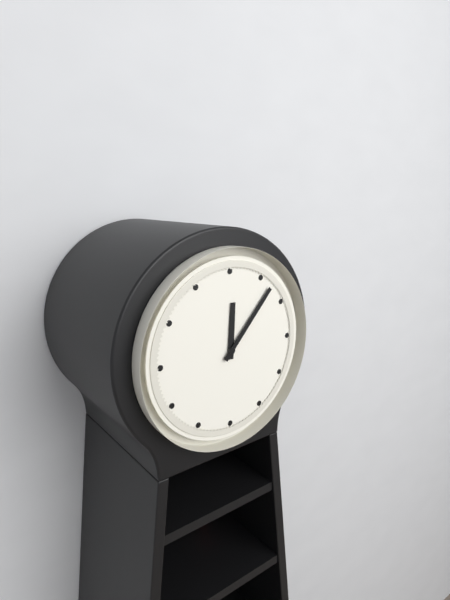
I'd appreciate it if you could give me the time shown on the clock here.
12:07
